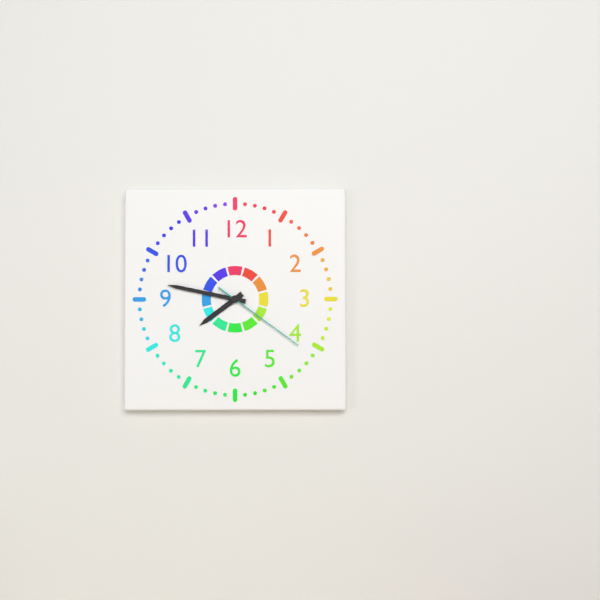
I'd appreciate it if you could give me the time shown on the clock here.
7:47:21
